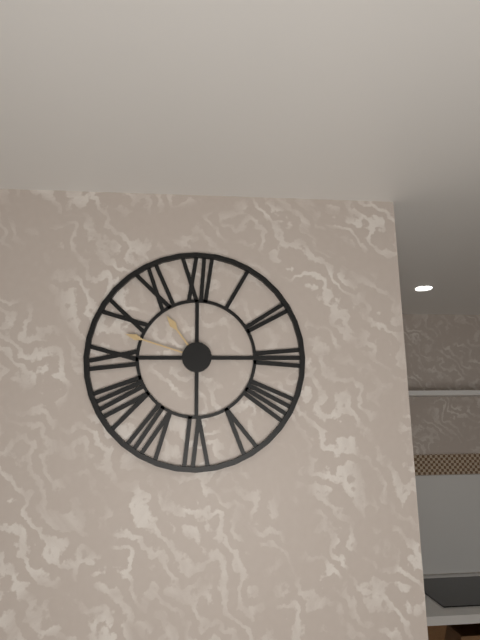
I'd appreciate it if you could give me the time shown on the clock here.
10:48
